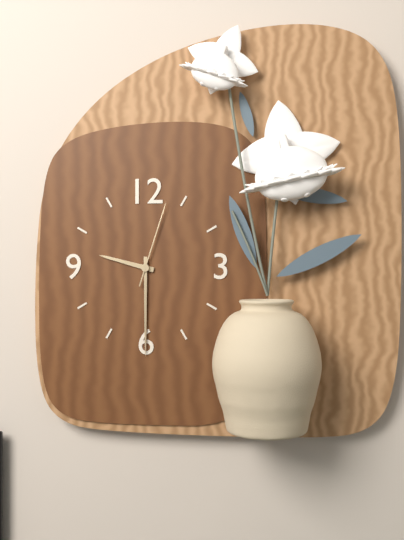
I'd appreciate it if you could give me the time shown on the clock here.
9:30:03
